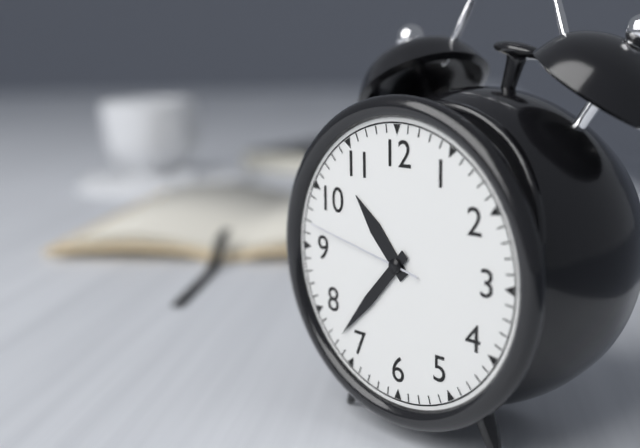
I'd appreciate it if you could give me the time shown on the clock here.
10:37:47
